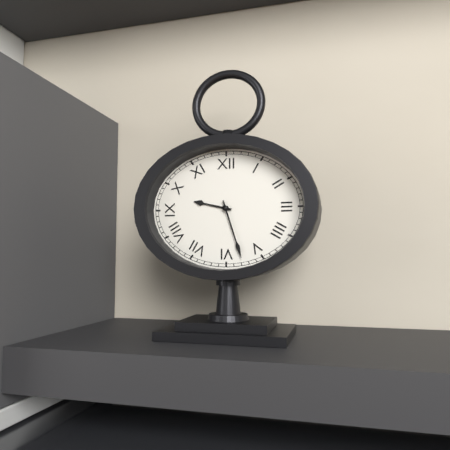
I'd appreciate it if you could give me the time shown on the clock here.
9:27
